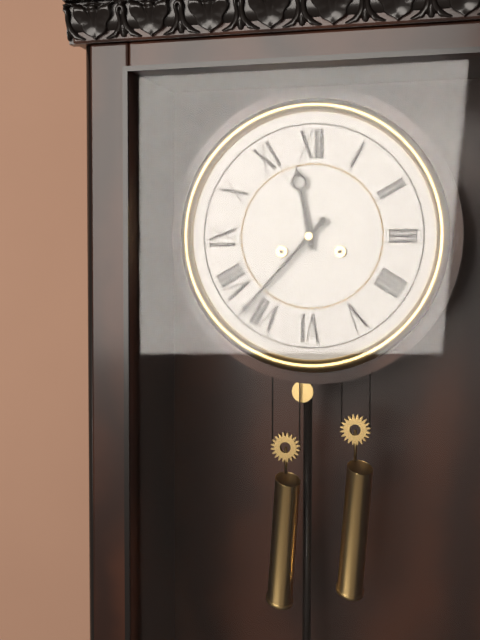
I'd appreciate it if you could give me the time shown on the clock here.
11:37
